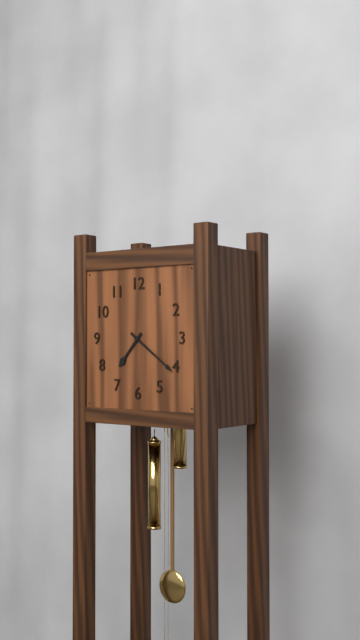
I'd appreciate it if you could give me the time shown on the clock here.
7:21
